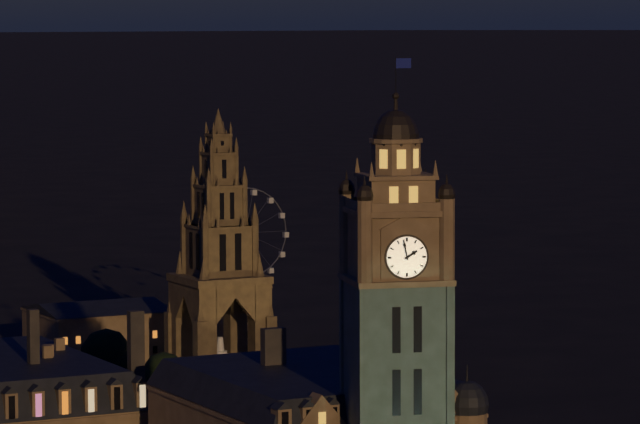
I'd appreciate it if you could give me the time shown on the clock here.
1:58
